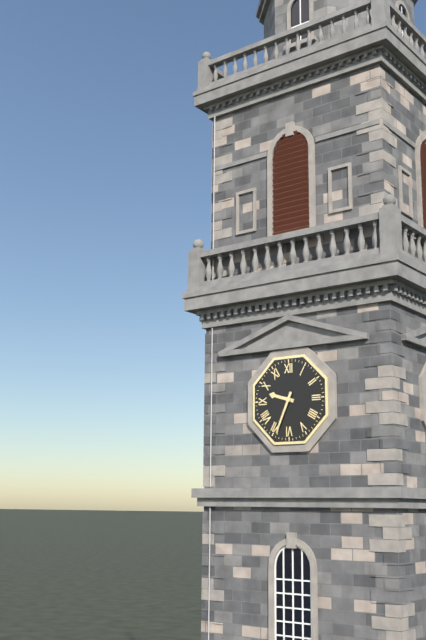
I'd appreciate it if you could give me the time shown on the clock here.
9:34
